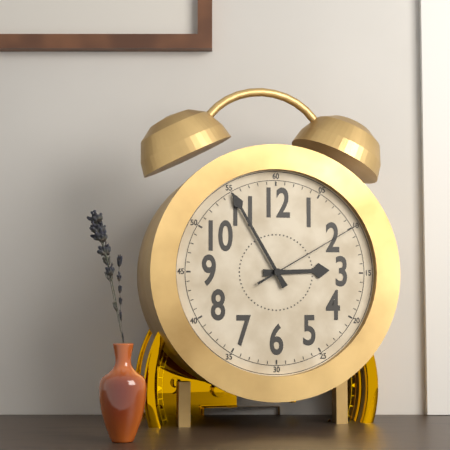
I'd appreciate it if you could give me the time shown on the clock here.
2:55:10
